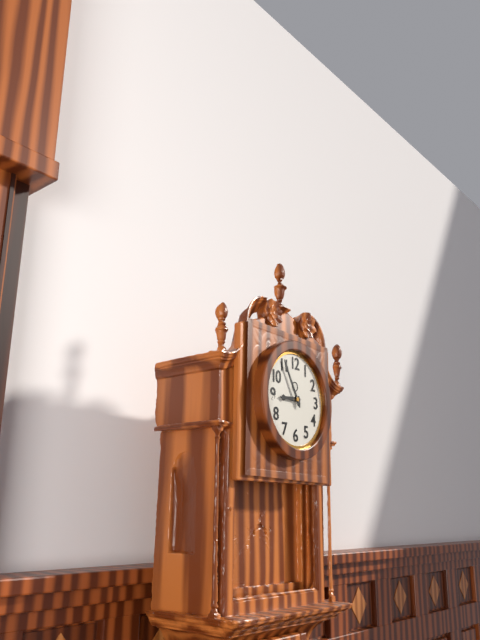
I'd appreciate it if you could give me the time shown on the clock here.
8:55
